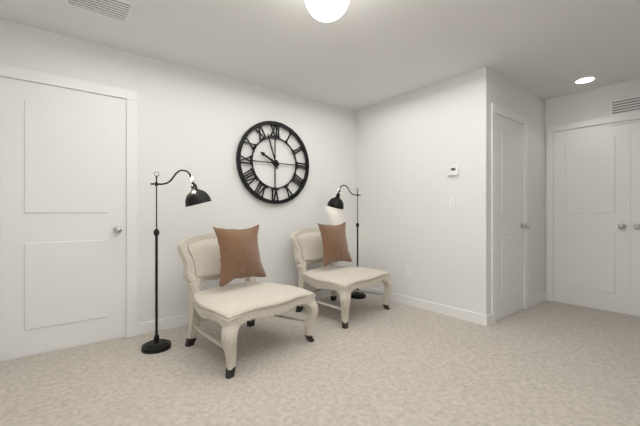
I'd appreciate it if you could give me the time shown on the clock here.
9:57
